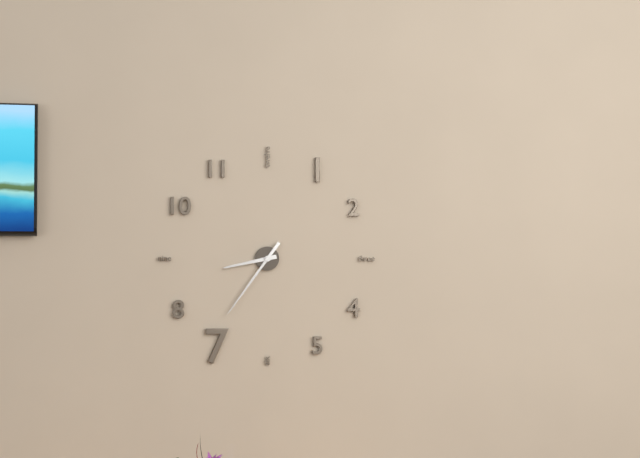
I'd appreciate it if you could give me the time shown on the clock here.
8:36
